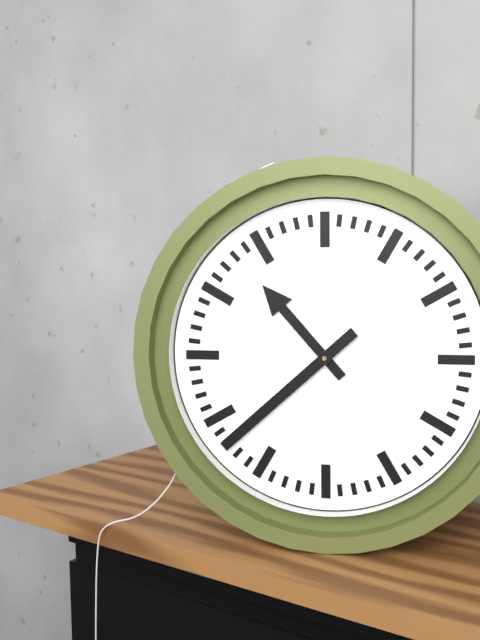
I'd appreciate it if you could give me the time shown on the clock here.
10:38
